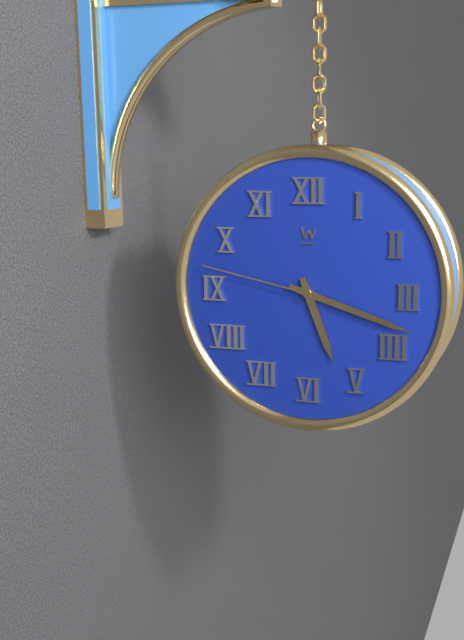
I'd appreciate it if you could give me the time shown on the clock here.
5:18:47
